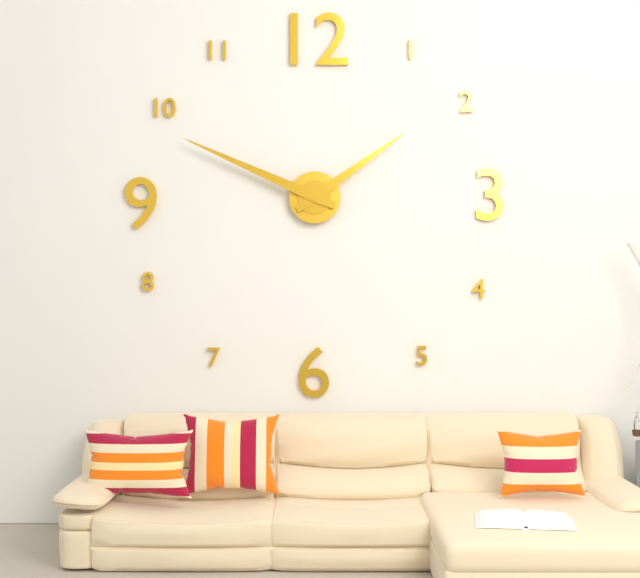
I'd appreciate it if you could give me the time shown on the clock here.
1:49
